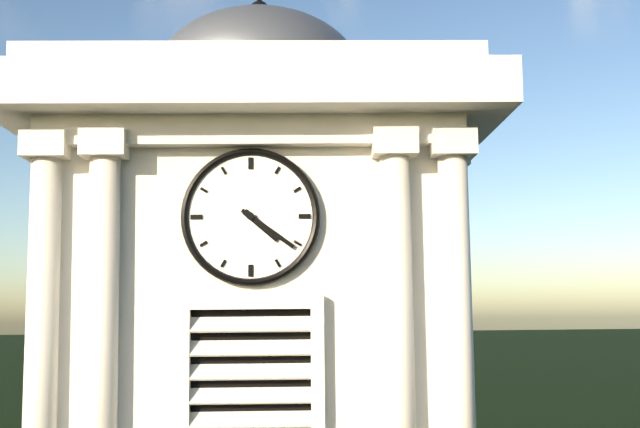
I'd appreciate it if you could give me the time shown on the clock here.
4:21
